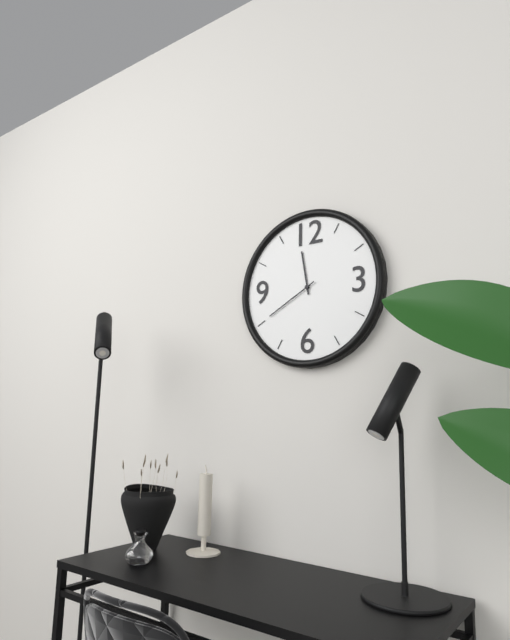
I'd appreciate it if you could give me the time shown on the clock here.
11:40
